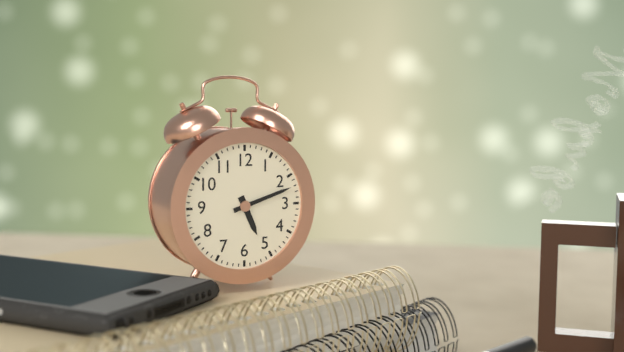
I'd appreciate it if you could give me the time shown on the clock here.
5:12
